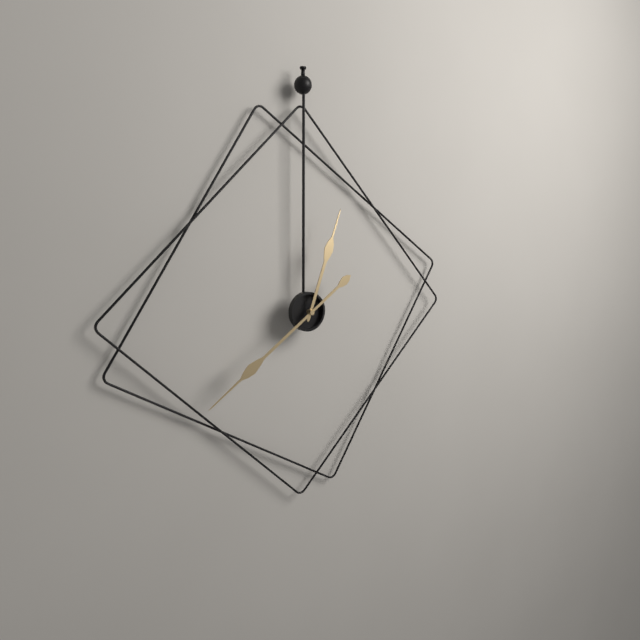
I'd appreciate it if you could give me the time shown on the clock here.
12:39
